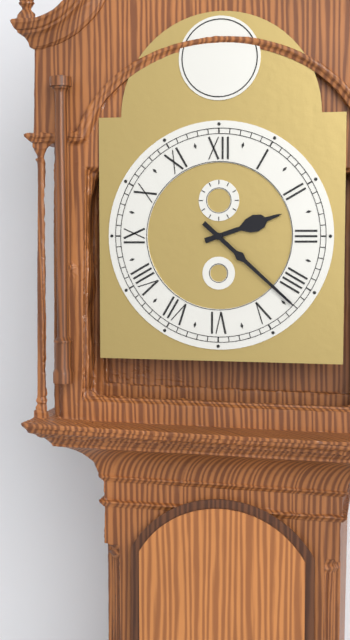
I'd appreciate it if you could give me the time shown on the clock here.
2:22
